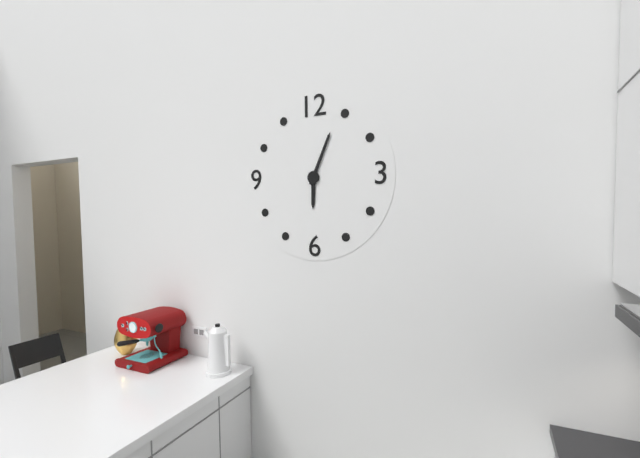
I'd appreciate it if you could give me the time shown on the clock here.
6:04
